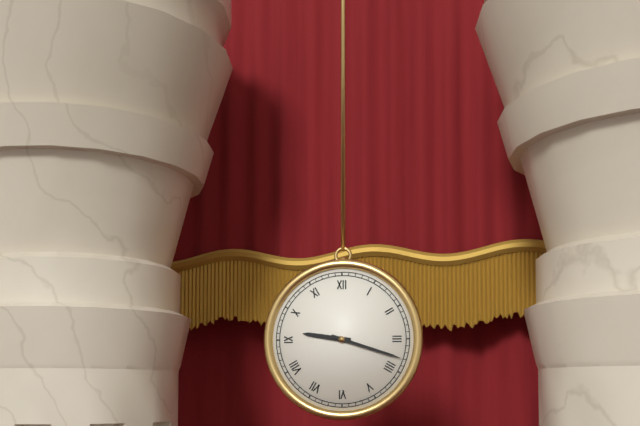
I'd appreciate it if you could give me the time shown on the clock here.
9:18
